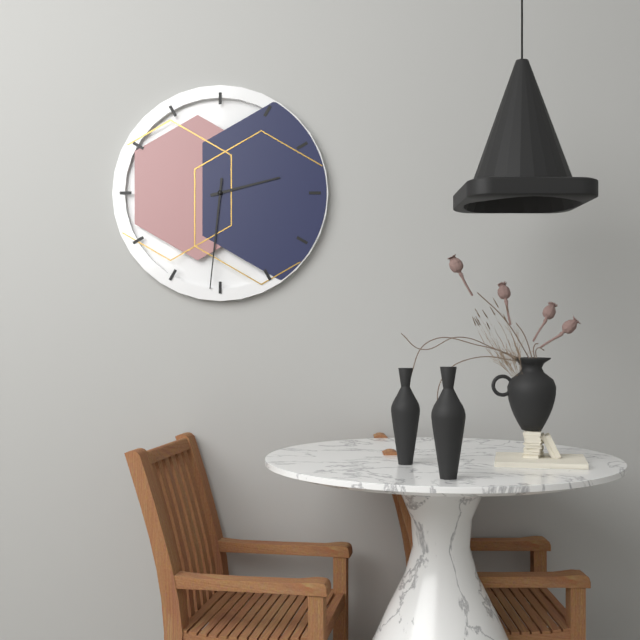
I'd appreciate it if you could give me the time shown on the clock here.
2:31
